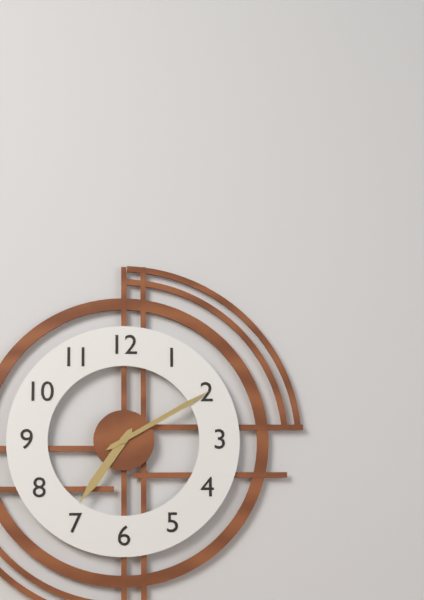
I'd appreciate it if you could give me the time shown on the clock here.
7:10
